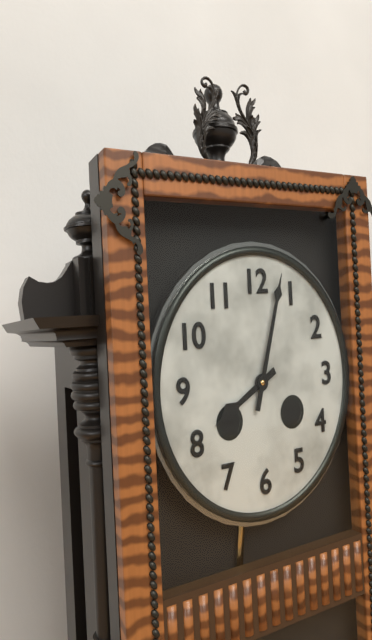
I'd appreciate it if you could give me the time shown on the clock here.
8:03
